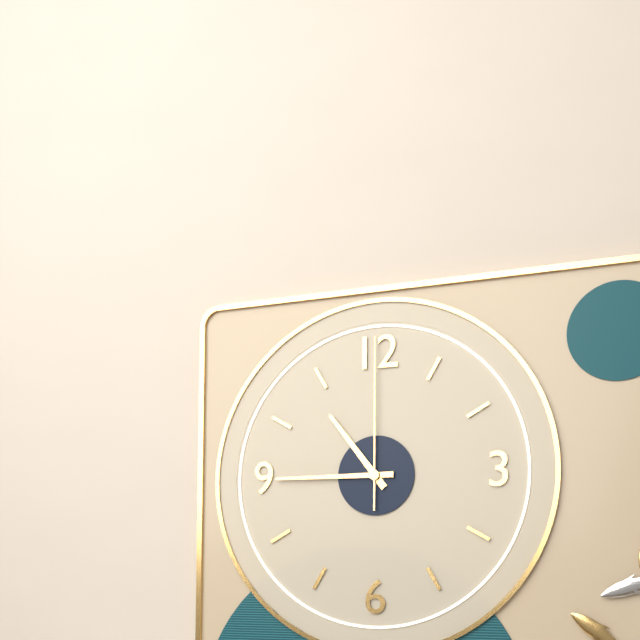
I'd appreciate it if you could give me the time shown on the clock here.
10:45:00
